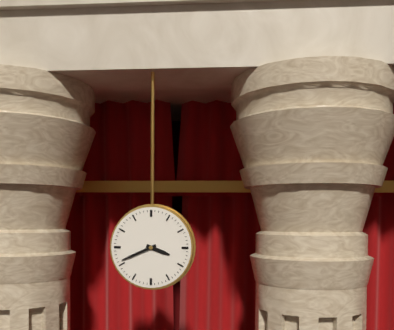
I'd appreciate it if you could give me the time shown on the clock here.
3:41
